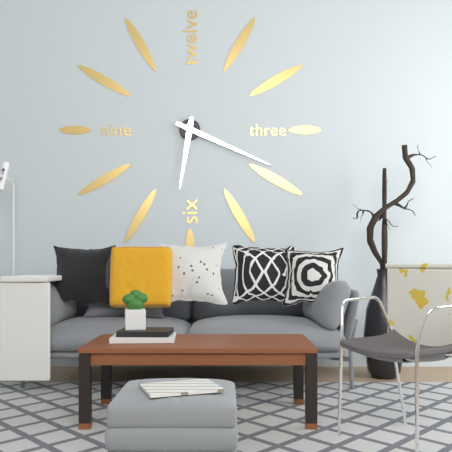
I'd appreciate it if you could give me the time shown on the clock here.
6:19
